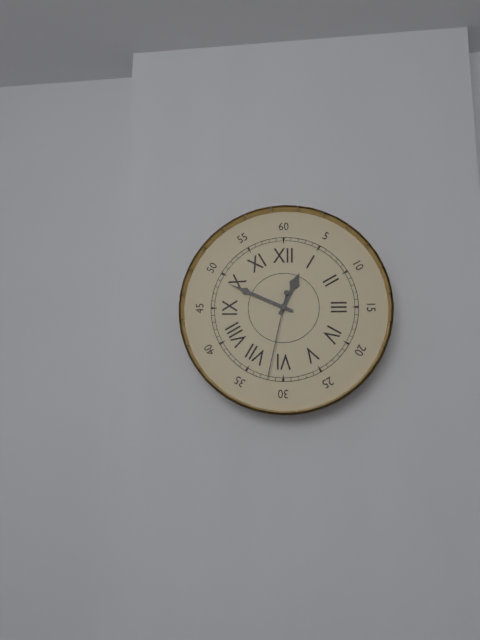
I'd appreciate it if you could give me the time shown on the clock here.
12:49:32
